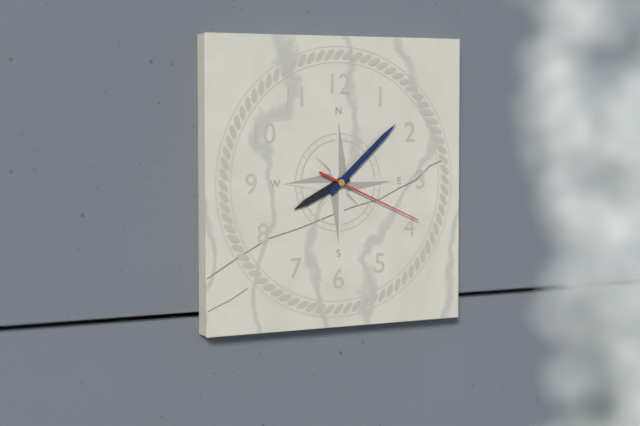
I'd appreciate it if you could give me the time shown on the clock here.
8:08:19
